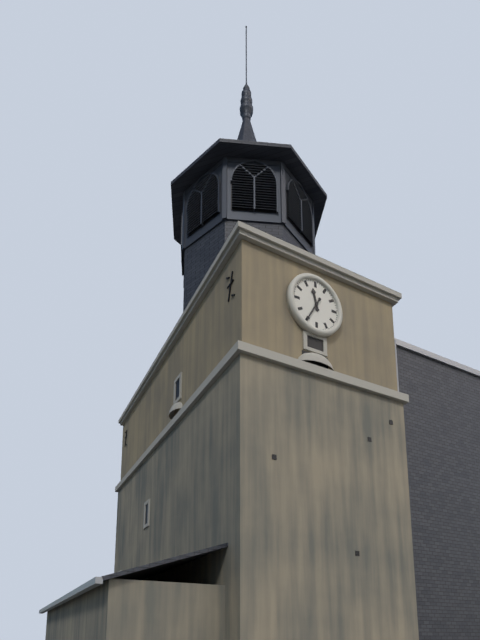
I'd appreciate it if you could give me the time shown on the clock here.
11:35
